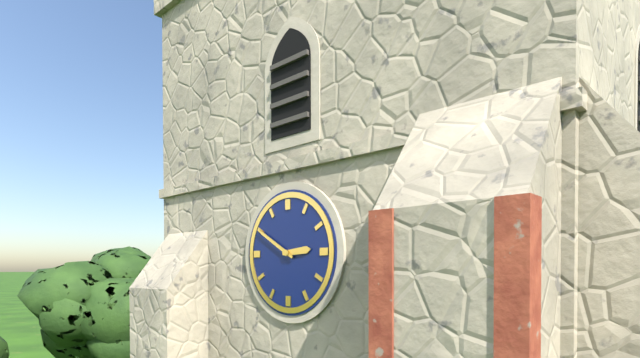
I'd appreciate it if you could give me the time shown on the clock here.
2:50
